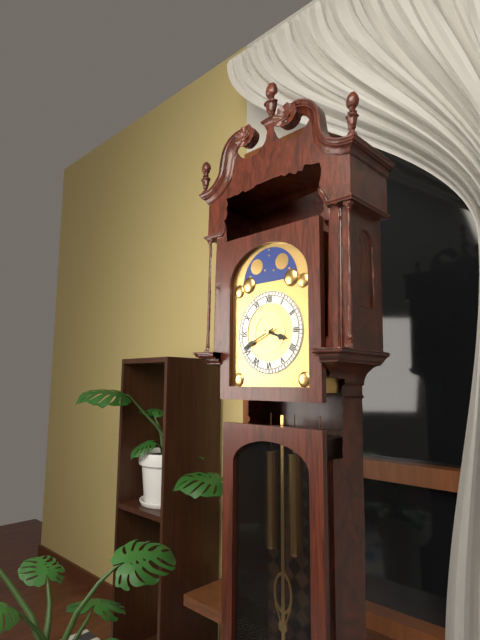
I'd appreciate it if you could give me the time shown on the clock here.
3:41
